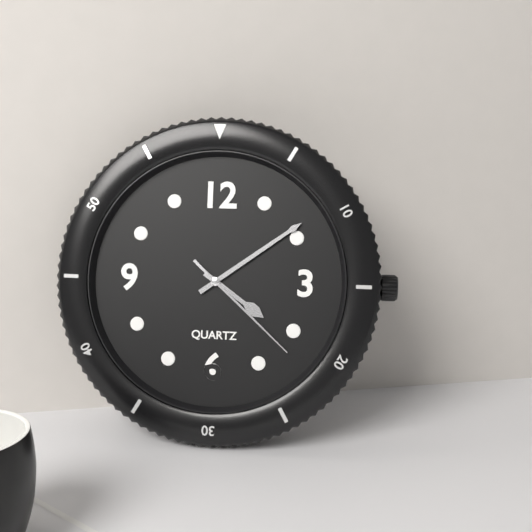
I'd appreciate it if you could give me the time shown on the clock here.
4:09:22
